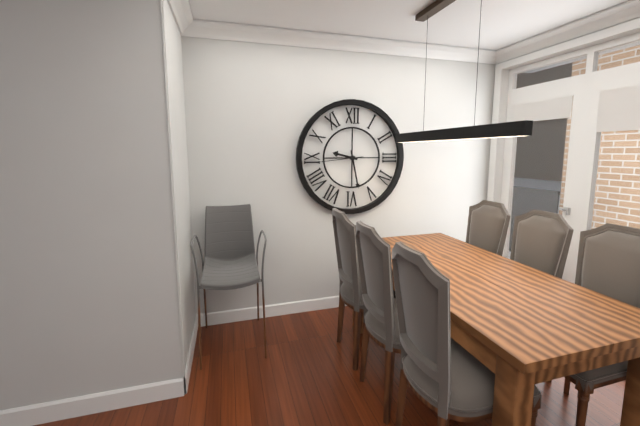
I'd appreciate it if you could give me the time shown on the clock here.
9:28
